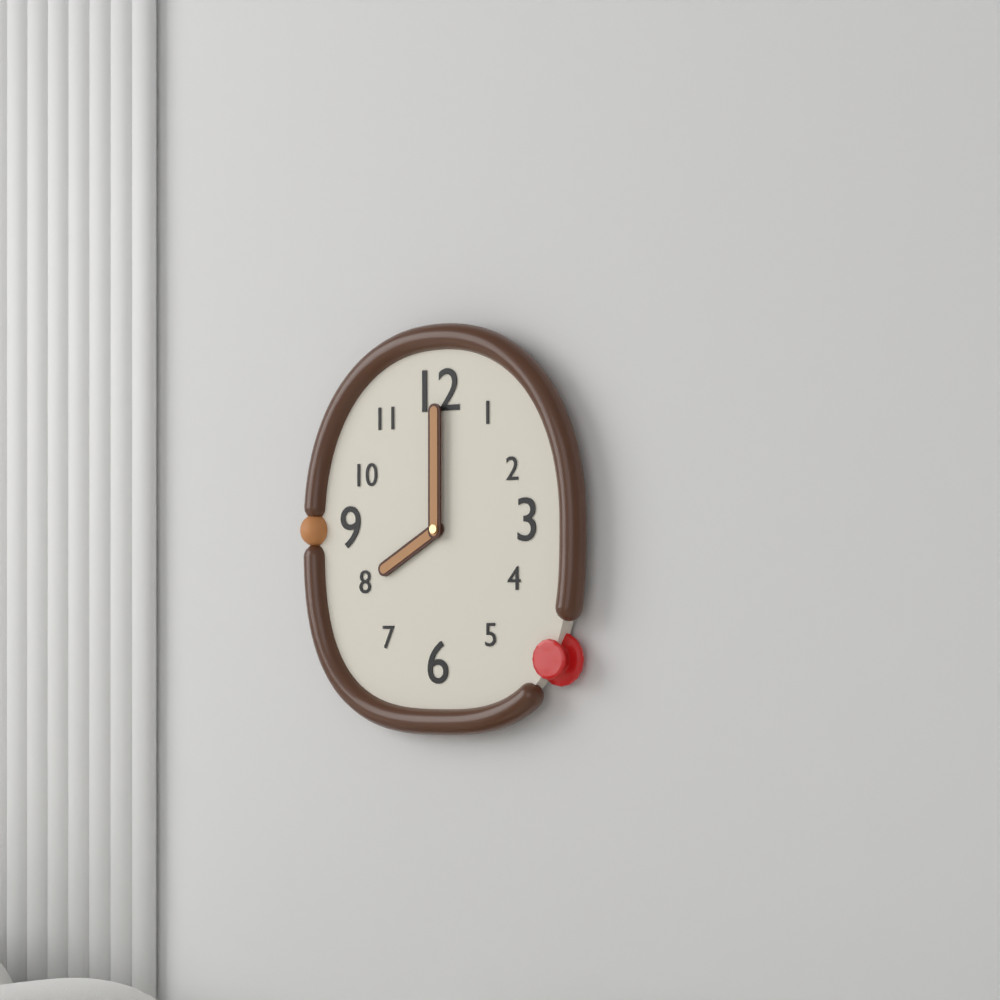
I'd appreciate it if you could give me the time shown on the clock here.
8:00
